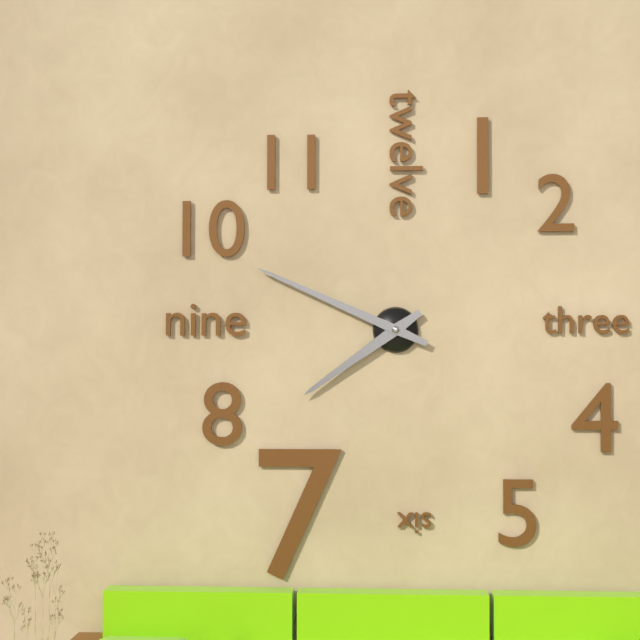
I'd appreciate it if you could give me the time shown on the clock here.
7:49
